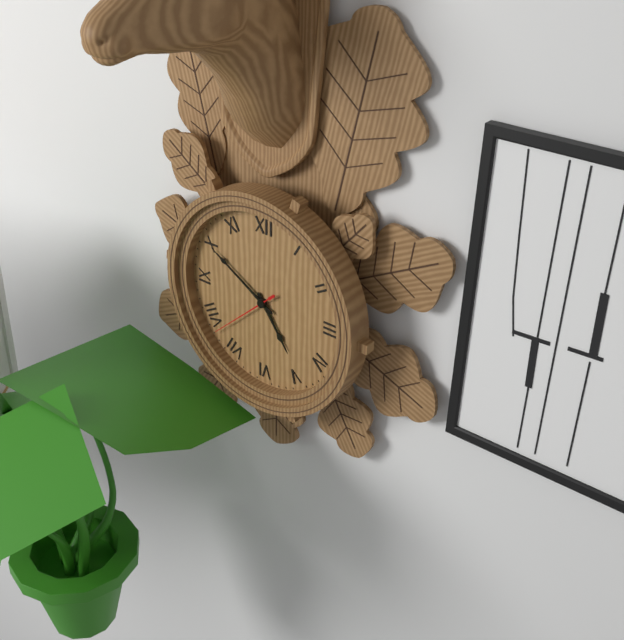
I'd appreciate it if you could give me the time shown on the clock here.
4:50:38
